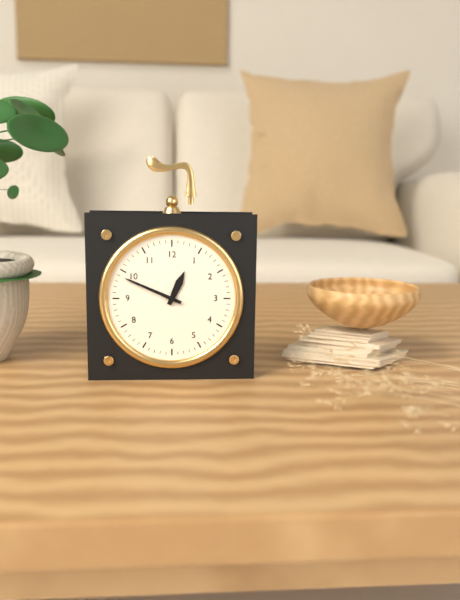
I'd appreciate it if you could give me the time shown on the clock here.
12:49
